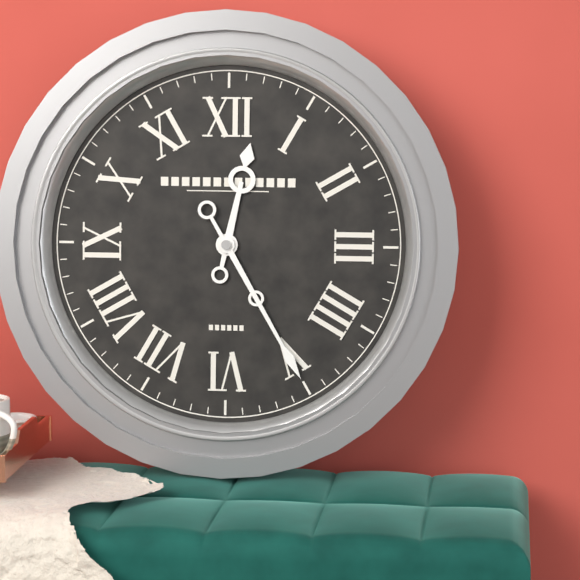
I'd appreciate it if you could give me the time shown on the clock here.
12:25
